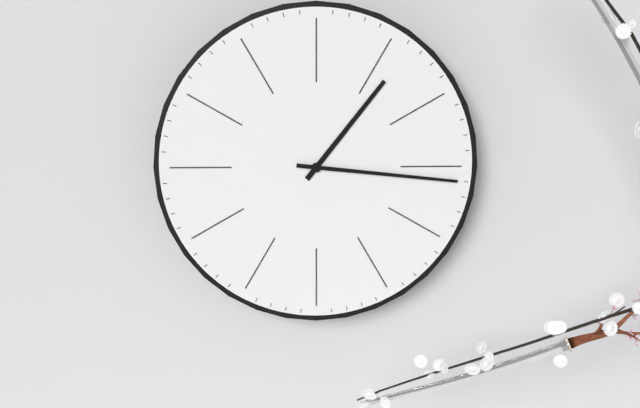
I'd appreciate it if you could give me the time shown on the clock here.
1:16
